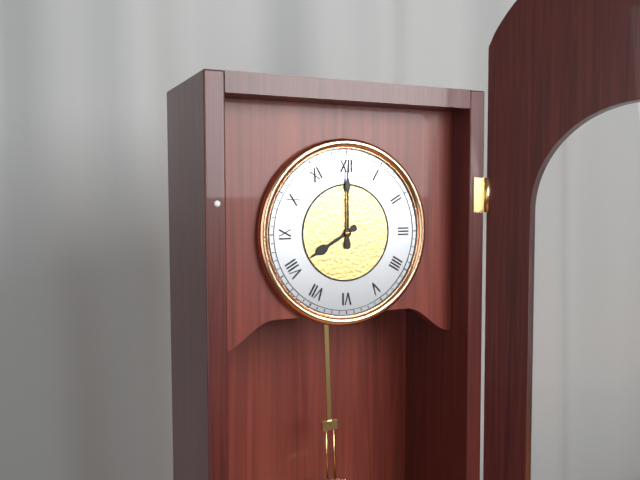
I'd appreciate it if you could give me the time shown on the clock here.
8:00
